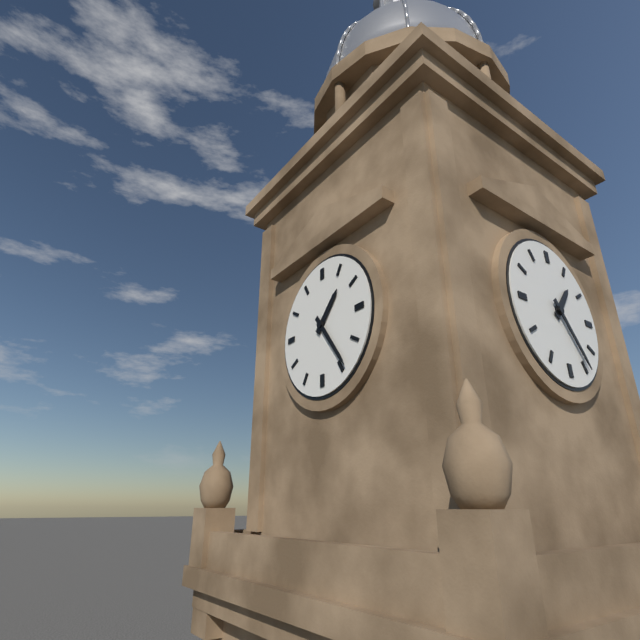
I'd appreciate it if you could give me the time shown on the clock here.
1:24
